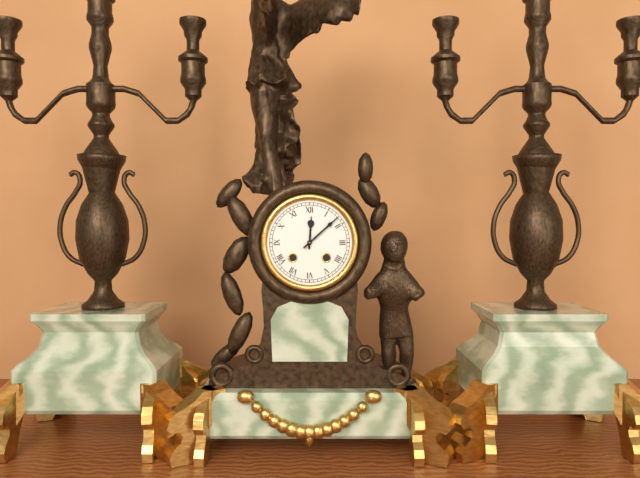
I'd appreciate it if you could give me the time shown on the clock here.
12:08
